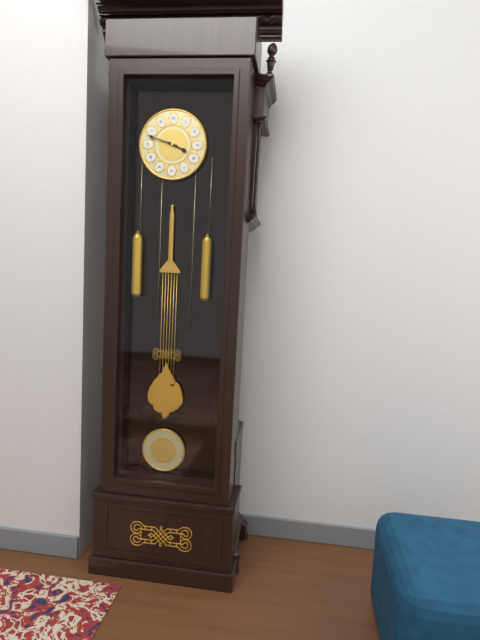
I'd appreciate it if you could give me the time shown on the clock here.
3:48
